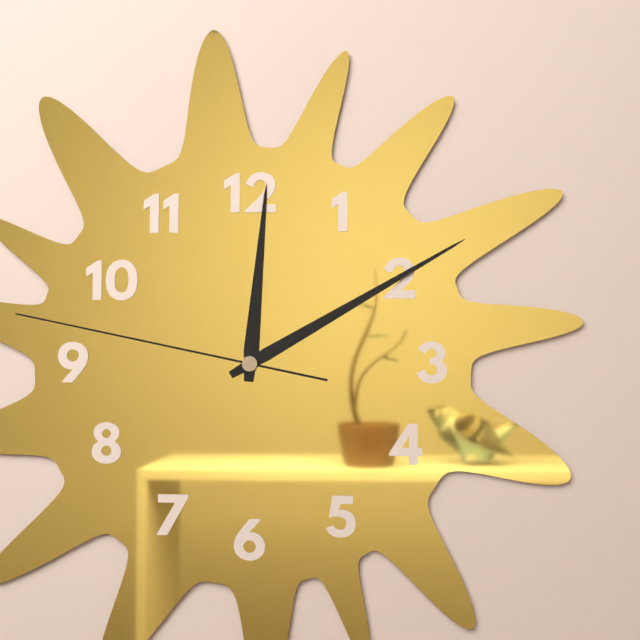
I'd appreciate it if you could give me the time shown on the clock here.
12:10:47
